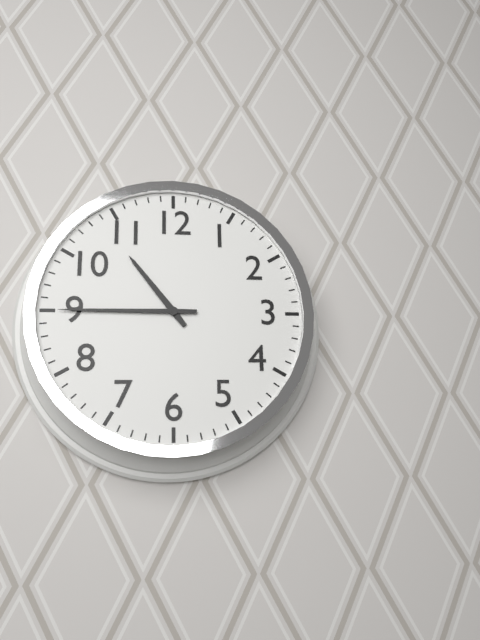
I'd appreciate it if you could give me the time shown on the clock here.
10:45
